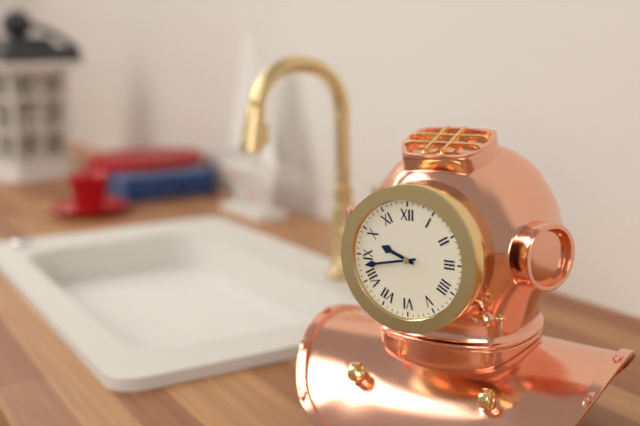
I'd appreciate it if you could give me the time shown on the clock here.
9:43
